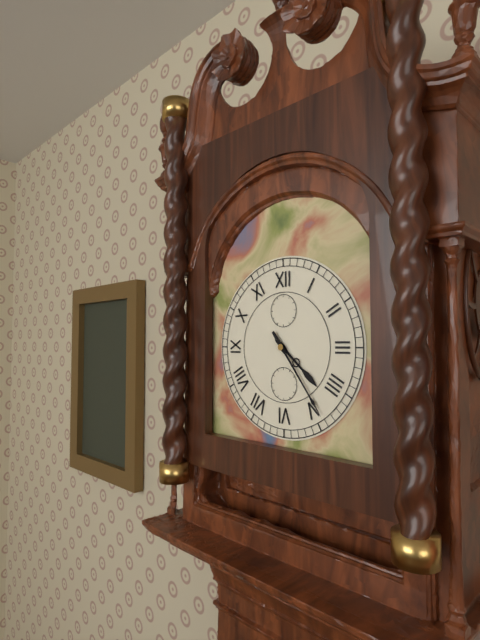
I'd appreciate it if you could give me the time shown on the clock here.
4:24
